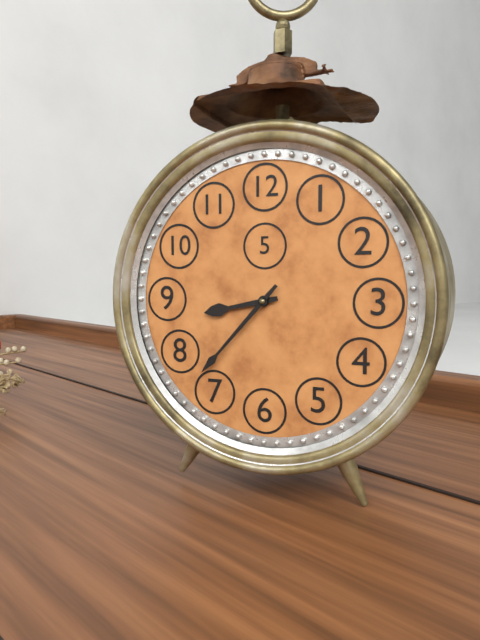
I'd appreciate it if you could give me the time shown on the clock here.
8:37
